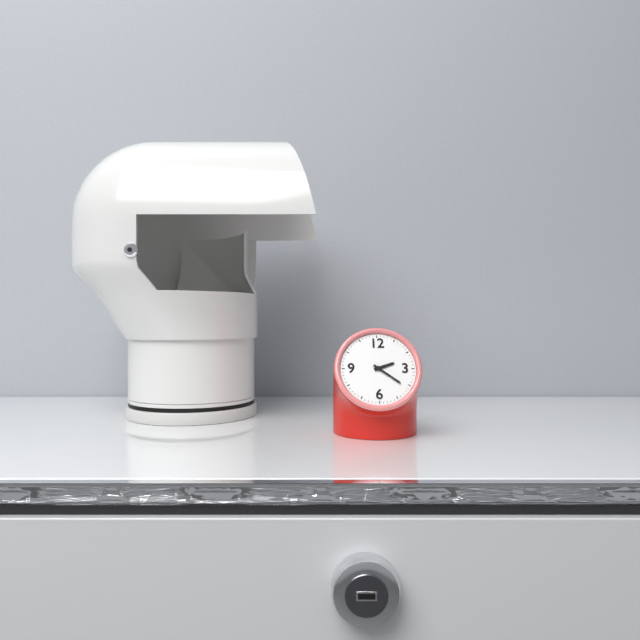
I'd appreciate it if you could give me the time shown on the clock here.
2:21
